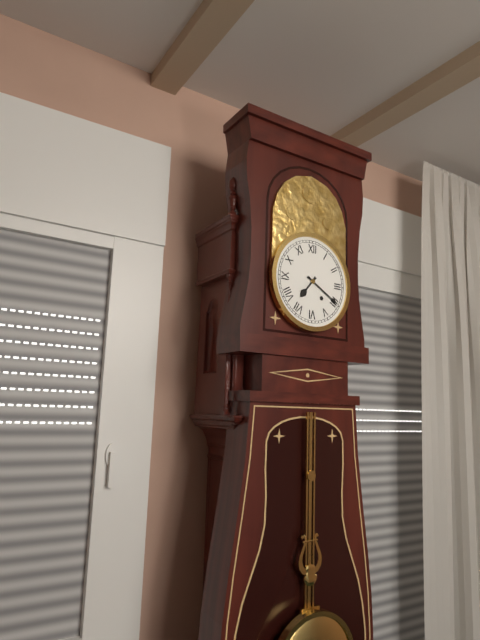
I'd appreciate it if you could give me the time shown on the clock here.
7:20
